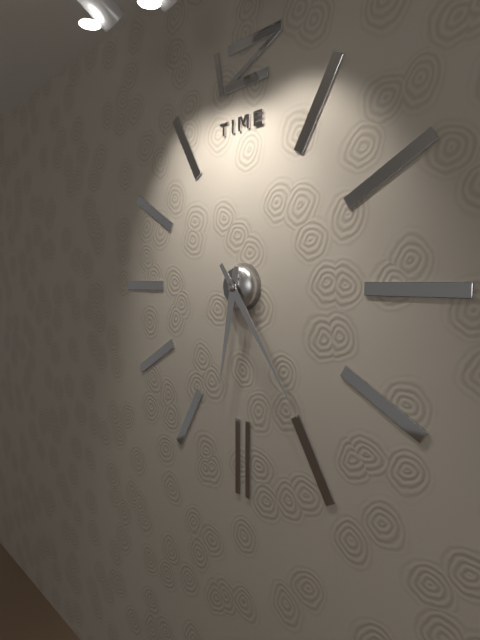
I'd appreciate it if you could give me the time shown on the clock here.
6:24
